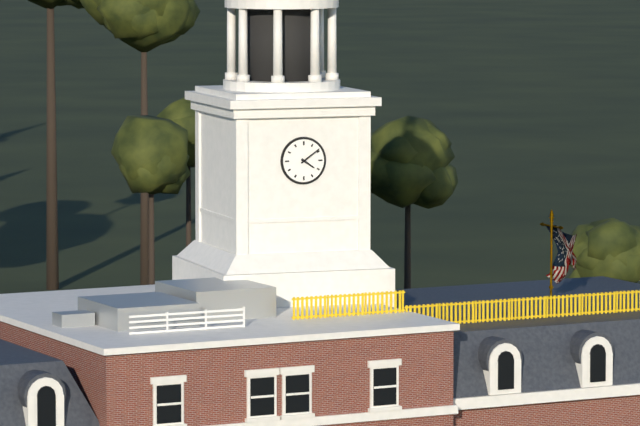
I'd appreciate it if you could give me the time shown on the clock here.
4:09
